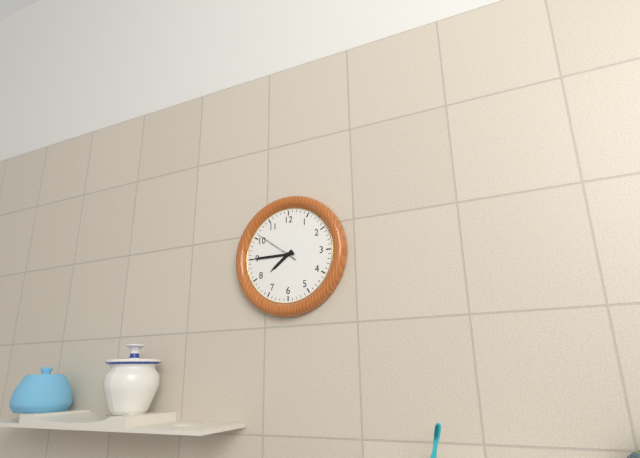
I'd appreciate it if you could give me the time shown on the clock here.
7:45
